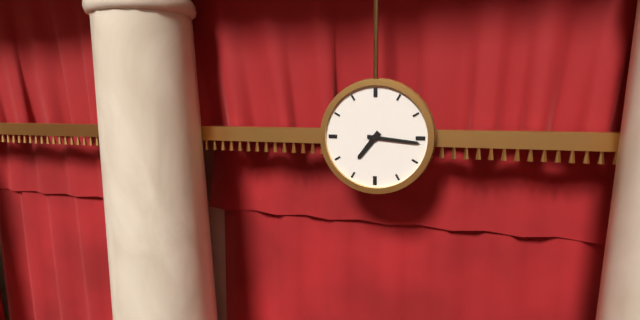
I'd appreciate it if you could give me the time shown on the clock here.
7:16
